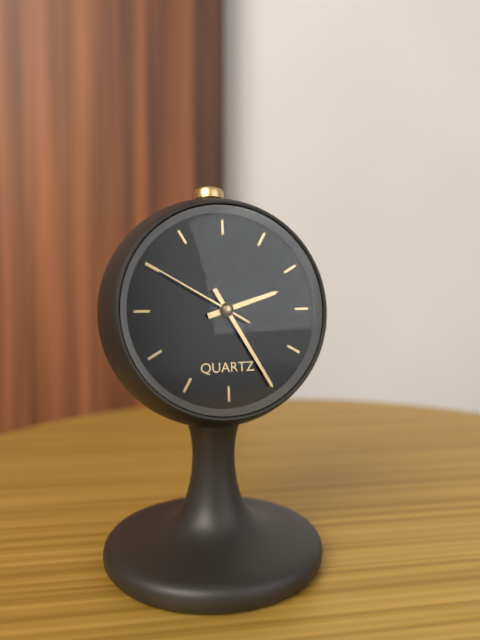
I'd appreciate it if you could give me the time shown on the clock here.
2:25:50
